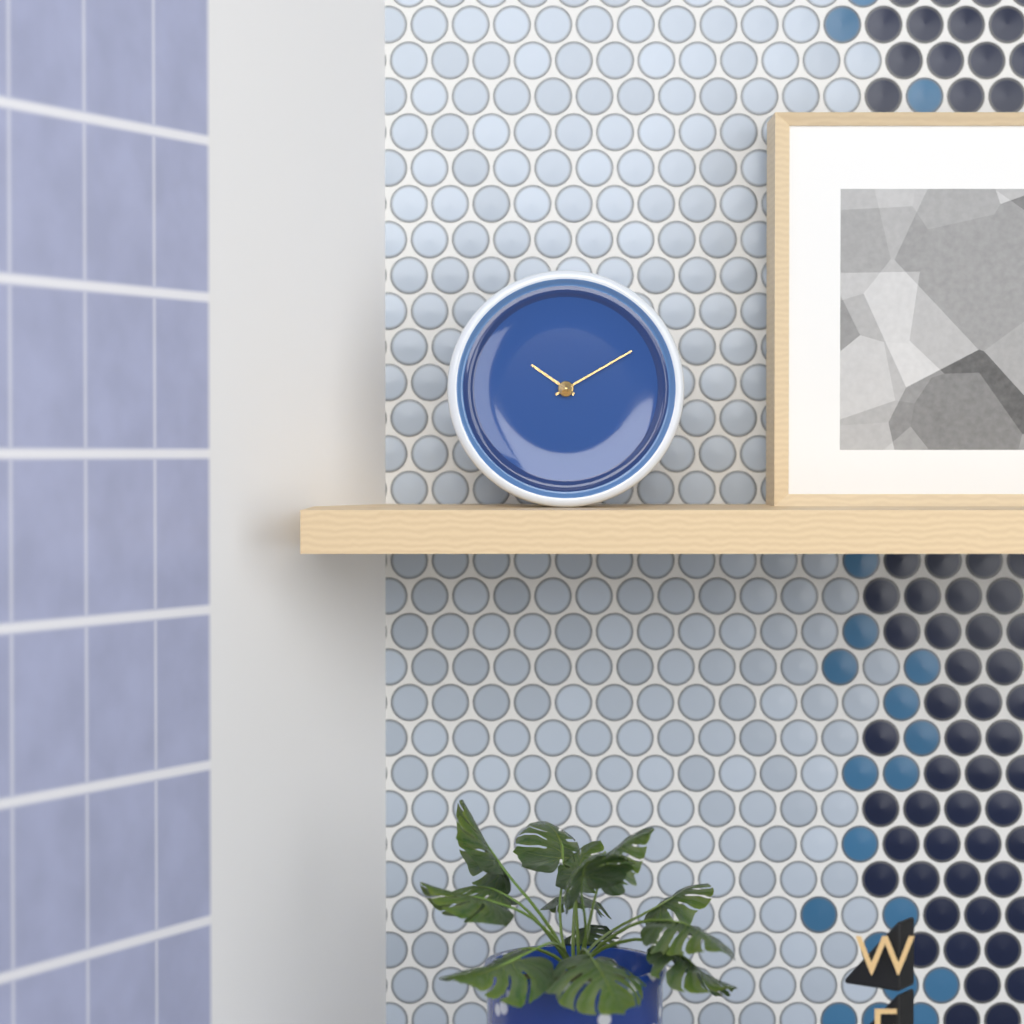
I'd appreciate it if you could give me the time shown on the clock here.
10:10
